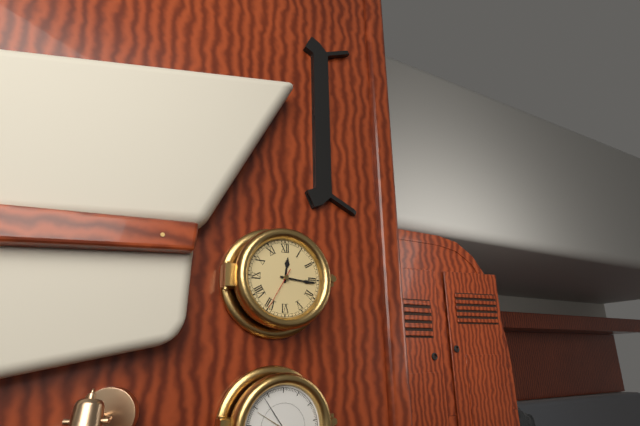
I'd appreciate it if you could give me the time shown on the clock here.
12:16
